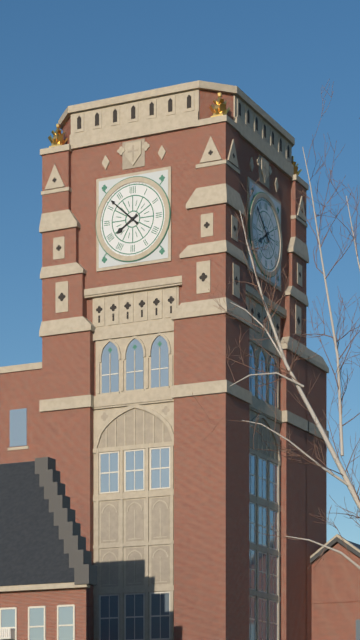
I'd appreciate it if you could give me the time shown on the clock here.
7:52
